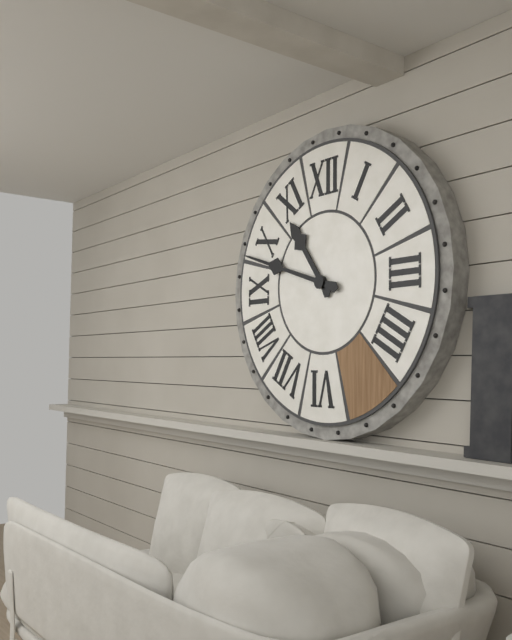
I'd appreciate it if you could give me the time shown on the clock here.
10:48
